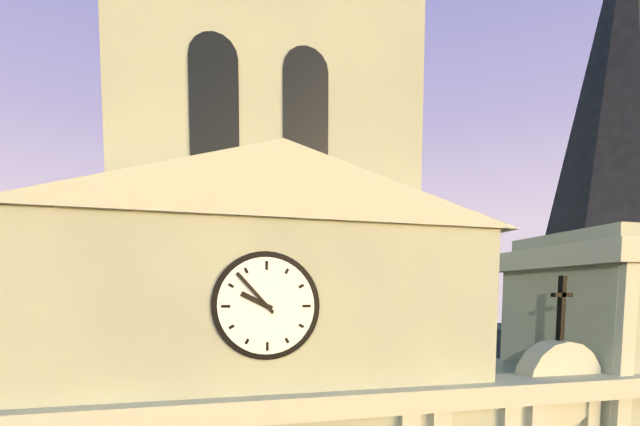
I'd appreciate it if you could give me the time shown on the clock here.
9:53
